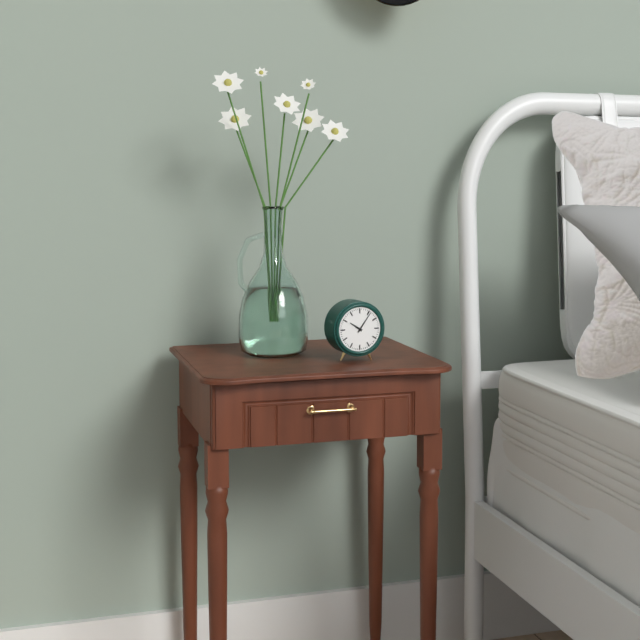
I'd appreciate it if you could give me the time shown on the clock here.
10:06
